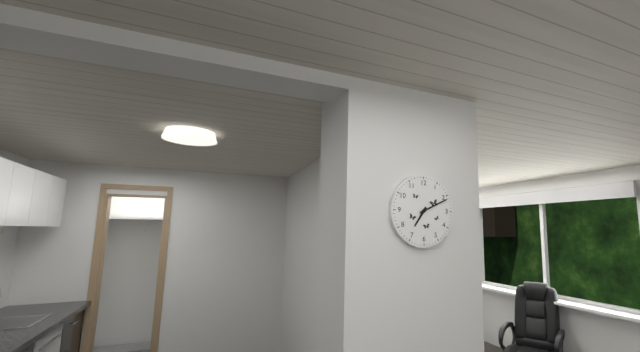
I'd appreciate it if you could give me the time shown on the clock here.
7:11
